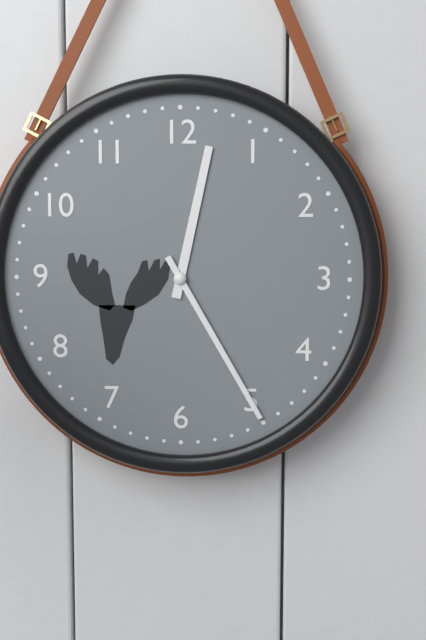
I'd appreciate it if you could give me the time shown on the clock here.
12:25
